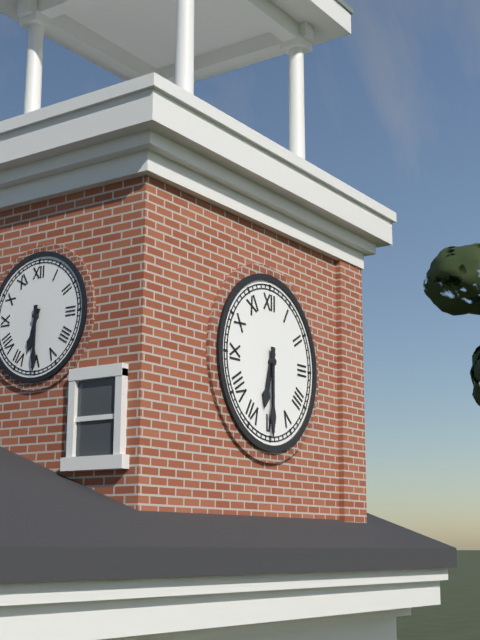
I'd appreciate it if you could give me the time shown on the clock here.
6:30
